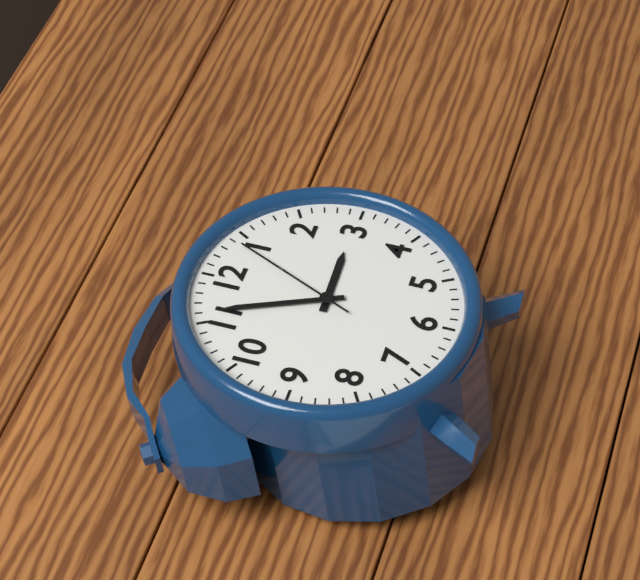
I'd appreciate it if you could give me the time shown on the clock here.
2:56:04
